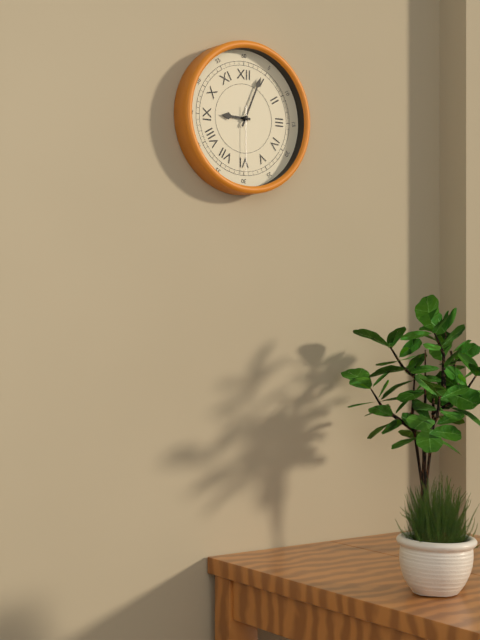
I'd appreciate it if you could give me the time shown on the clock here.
9:04:30
